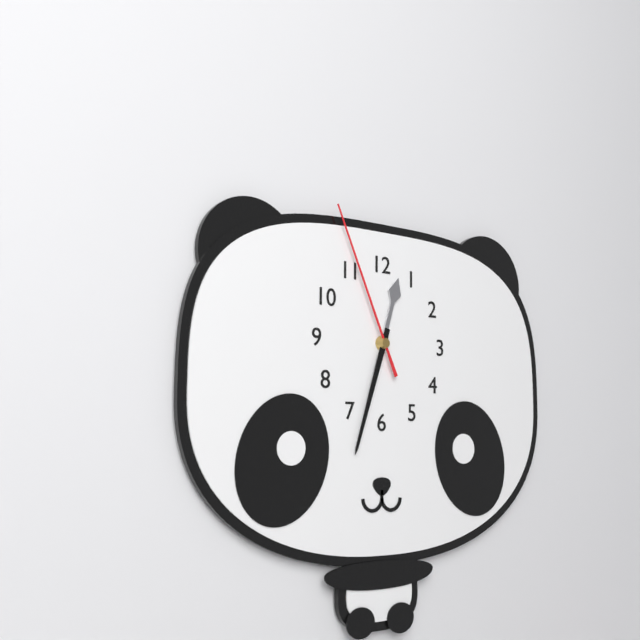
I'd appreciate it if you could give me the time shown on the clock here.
12:33:56
